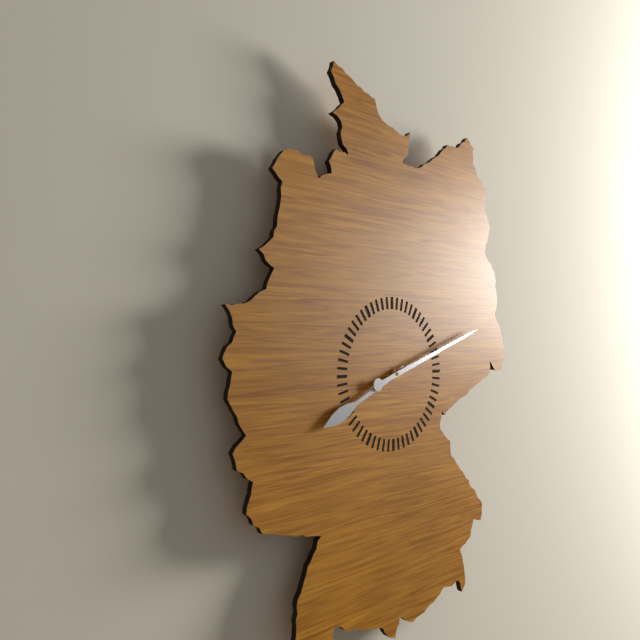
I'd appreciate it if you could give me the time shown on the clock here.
8:12
